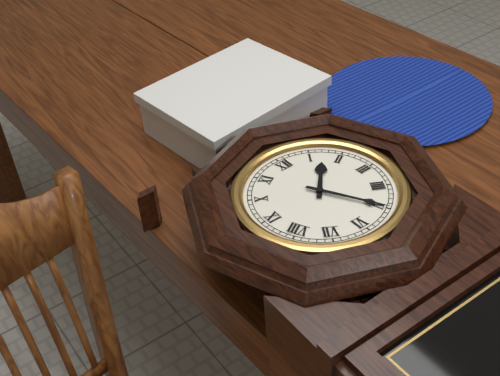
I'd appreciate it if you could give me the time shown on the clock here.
1:25
